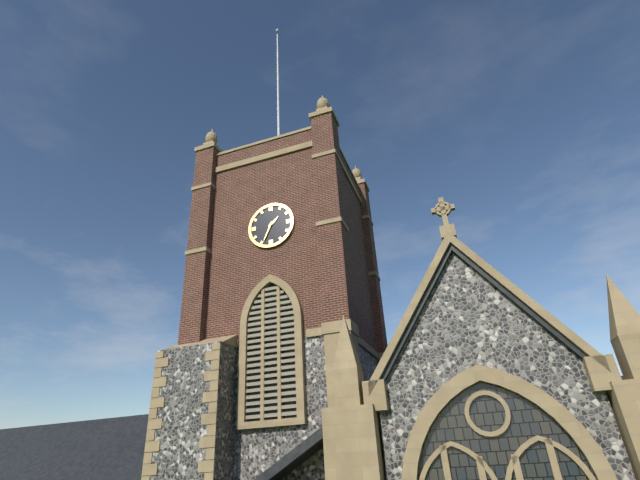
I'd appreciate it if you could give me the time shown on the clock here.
1:34
